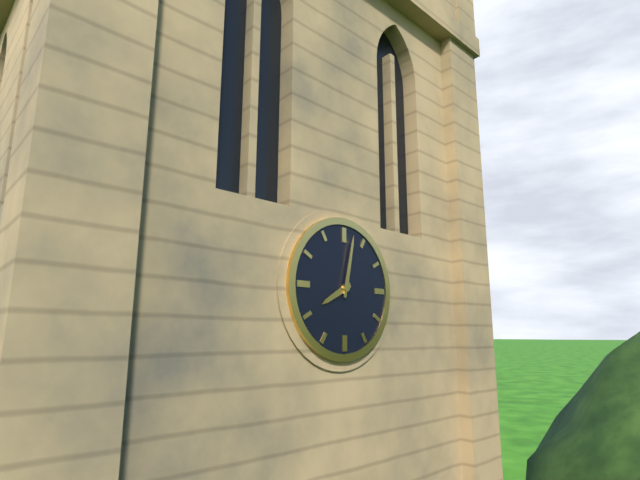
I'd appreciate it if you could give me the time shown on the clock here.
8:02
